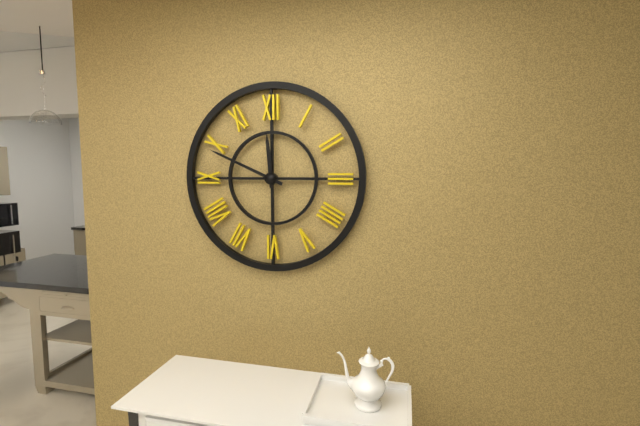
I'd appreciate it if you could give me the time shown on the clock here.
11:49
